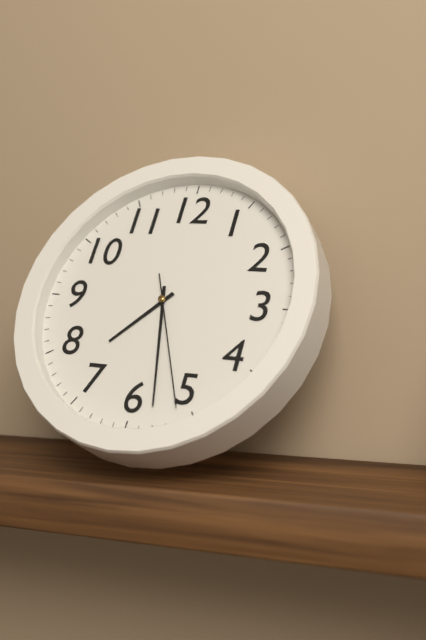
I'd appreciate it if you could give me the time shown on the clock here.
7:28:26
